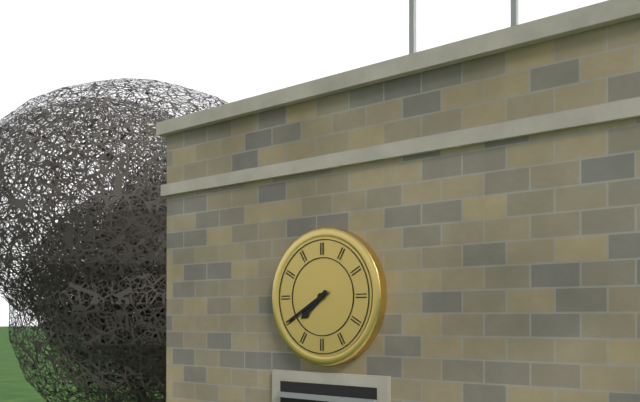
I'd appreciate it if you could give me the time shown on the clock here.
7:40
